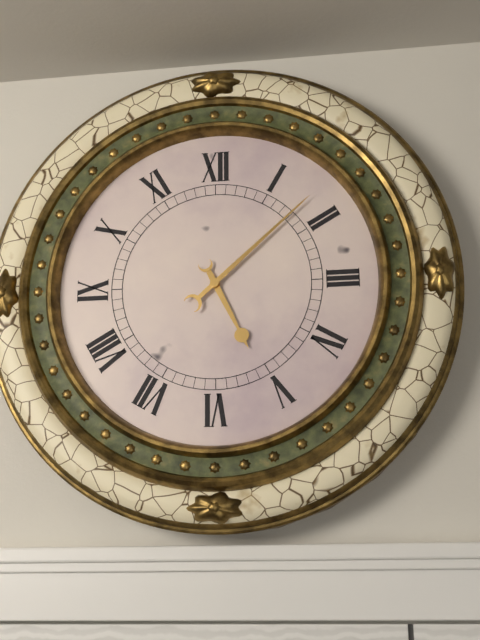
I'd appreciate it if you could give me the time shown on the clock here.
5:08
